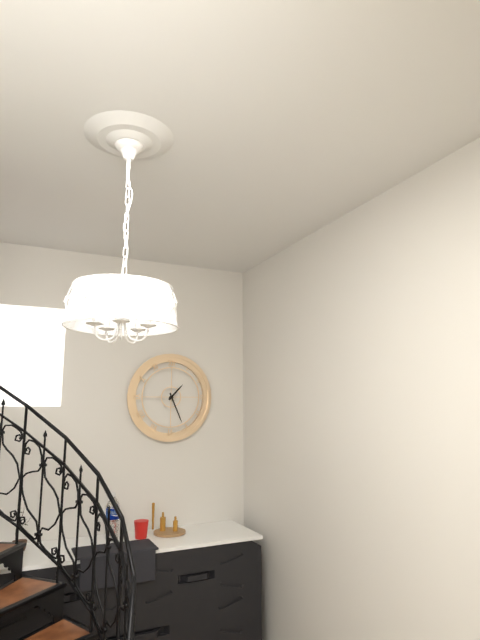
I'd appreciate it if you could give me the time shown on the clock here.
1:26
